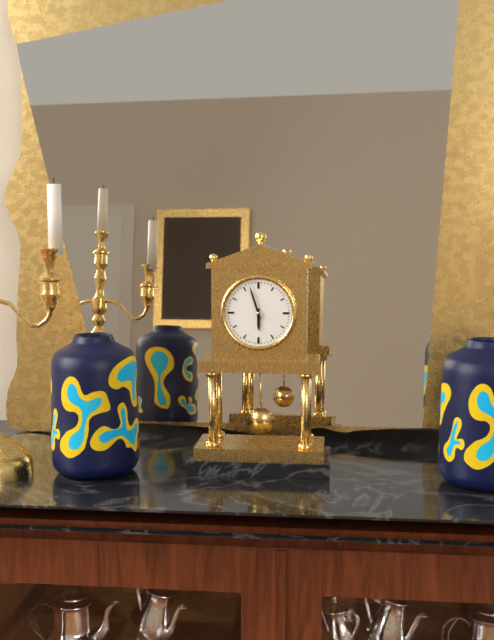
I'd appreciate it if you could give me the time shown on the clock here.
5:57
